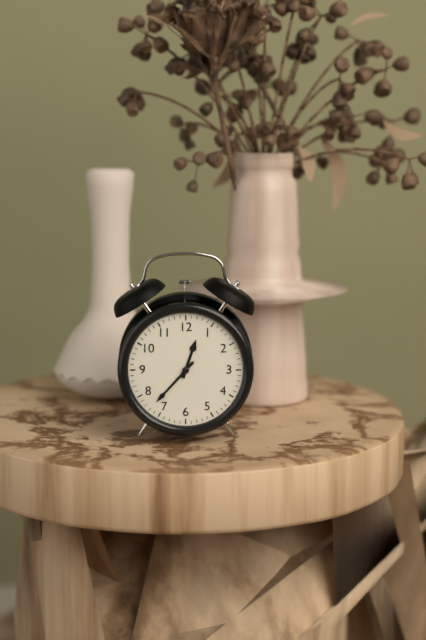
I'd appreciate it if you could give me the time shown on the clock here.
12:37:37
